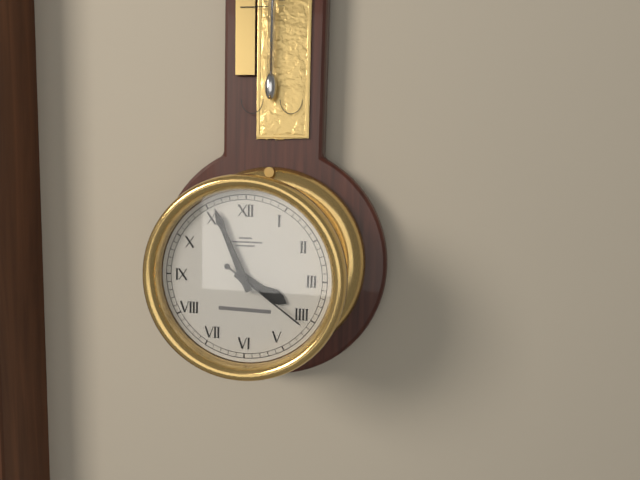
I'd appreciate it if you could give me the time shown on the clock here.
3:56:21
